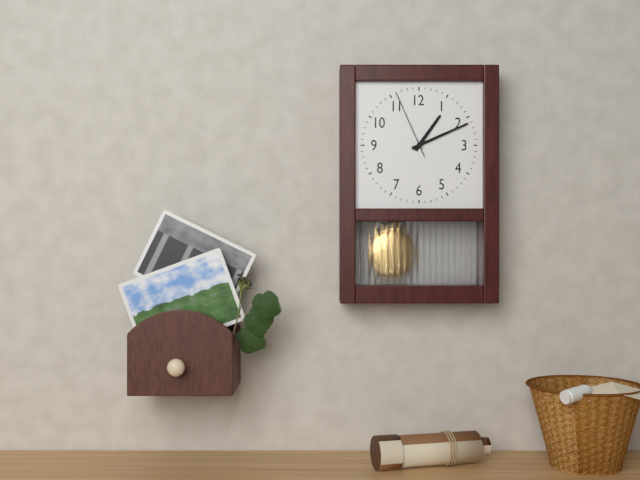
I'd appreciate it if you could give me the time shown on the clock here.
1:11:56
